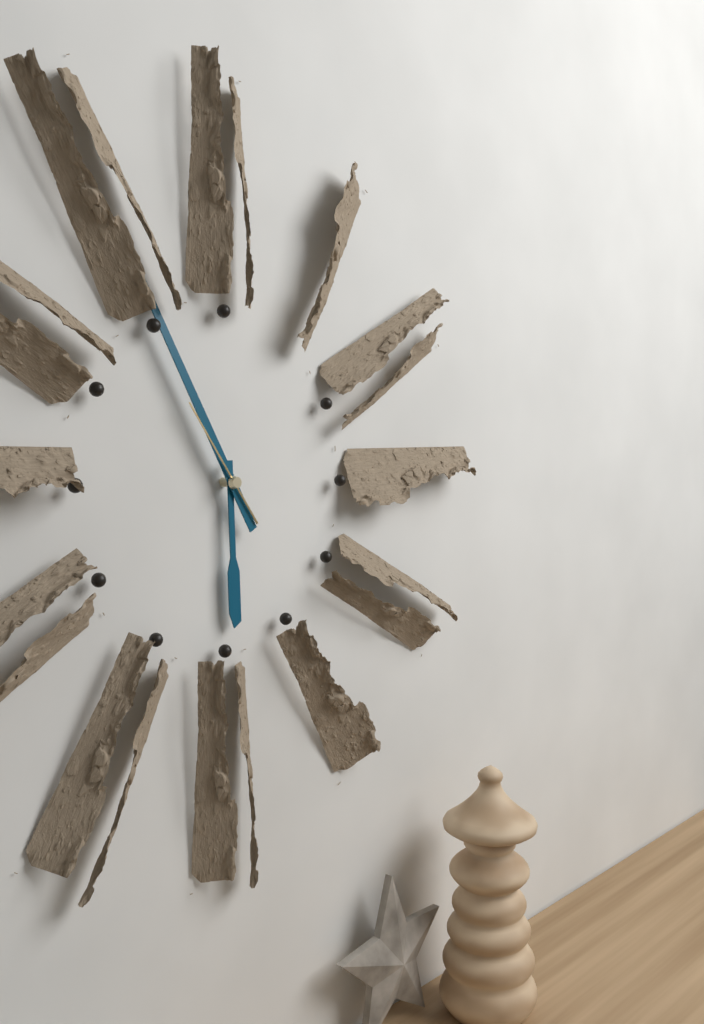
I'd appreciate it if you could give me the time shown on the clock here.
5:55:54
